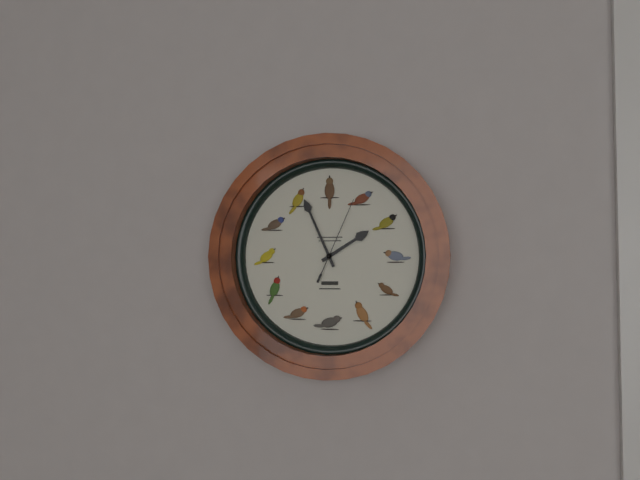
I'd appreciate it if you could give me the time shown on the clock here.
1:56:04
